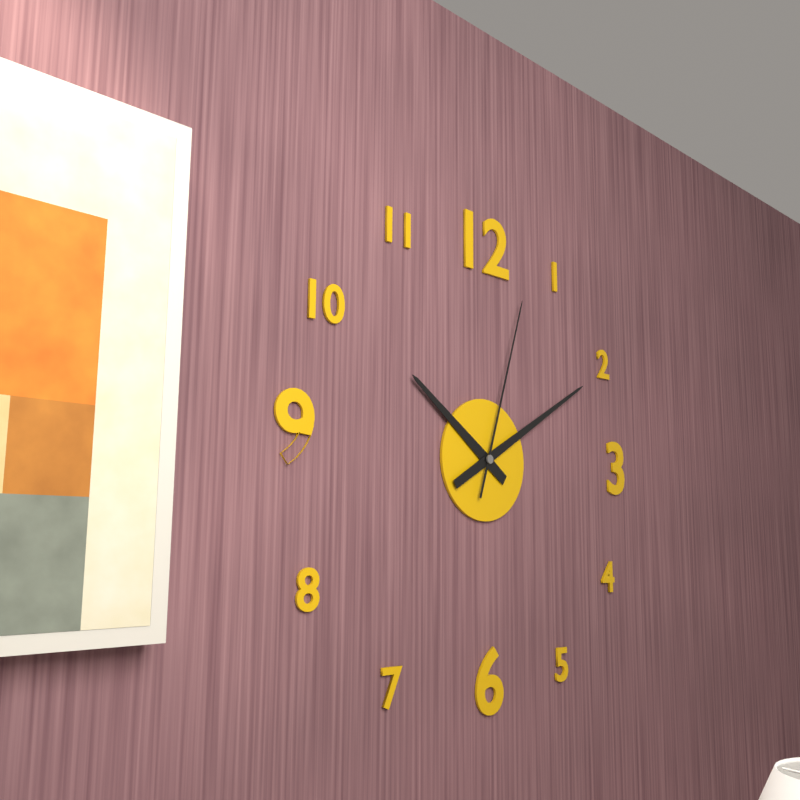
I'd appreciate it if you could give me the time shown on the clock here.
10:10:03
